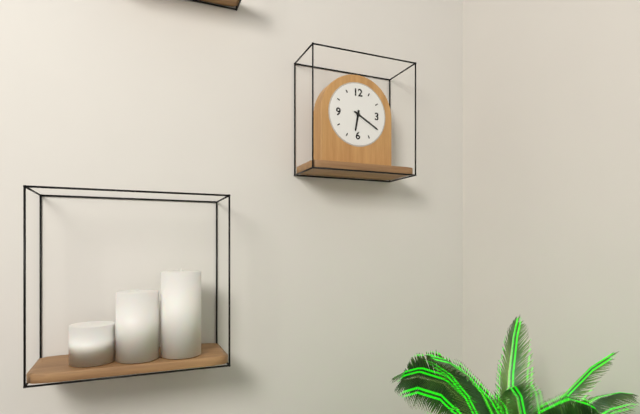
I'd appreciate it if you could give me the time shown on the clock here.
6:20
